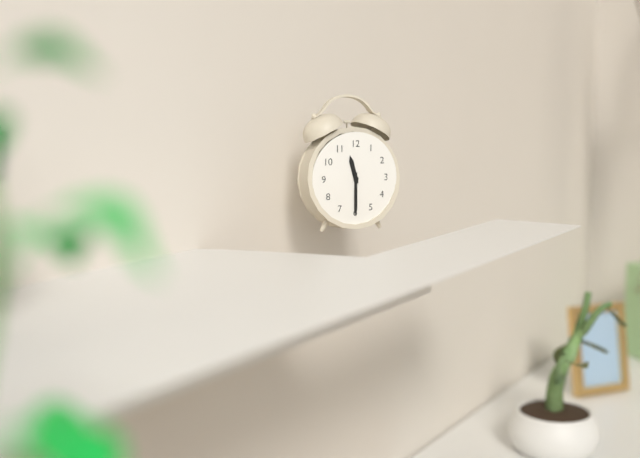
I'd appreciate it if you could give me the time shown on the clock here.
11:30
